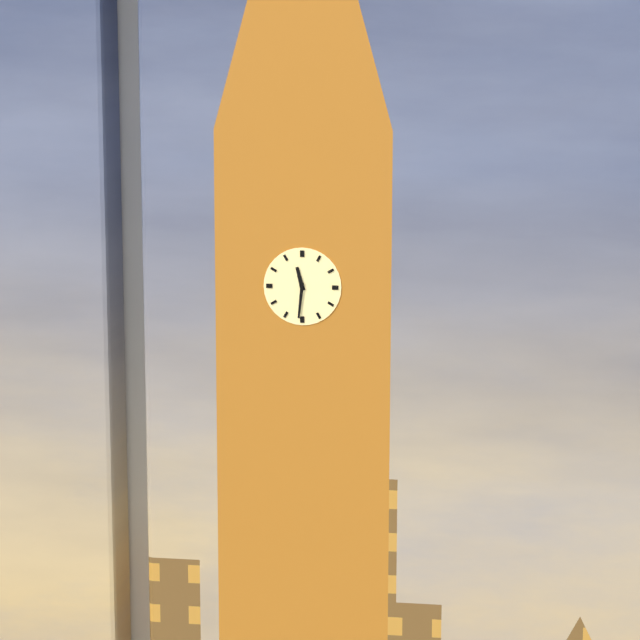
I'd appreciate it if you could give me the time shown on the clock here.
11:31
